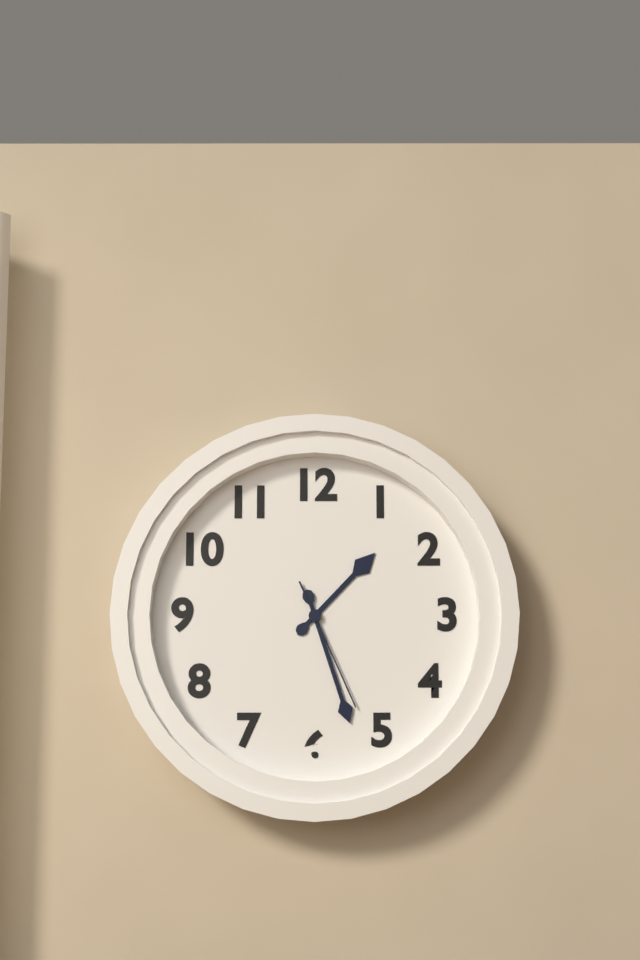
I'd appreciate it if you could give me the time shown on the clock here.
1:27:26
